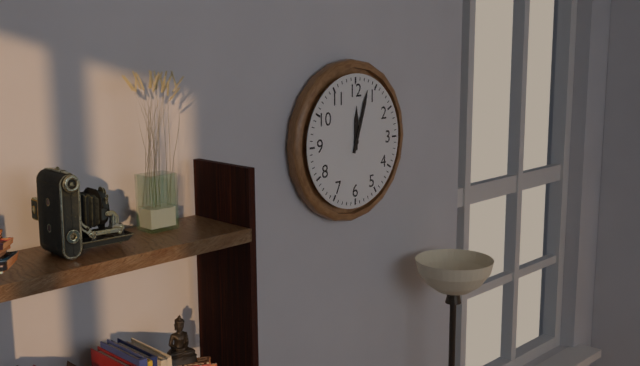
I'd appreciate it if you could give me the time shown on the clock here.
12:03
